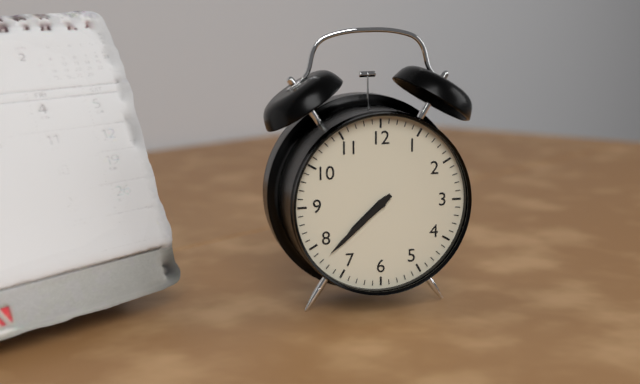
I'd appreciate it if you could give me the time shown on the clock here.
7:38
